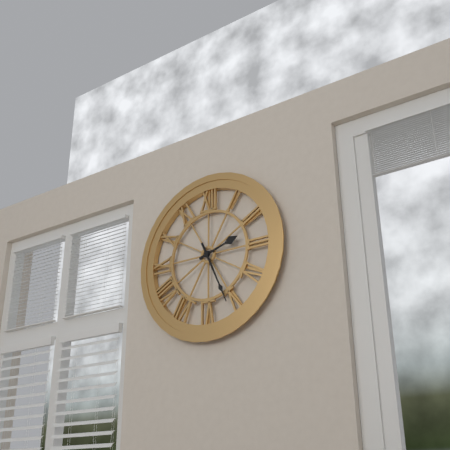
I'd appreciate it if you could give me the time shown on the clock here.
2:26
